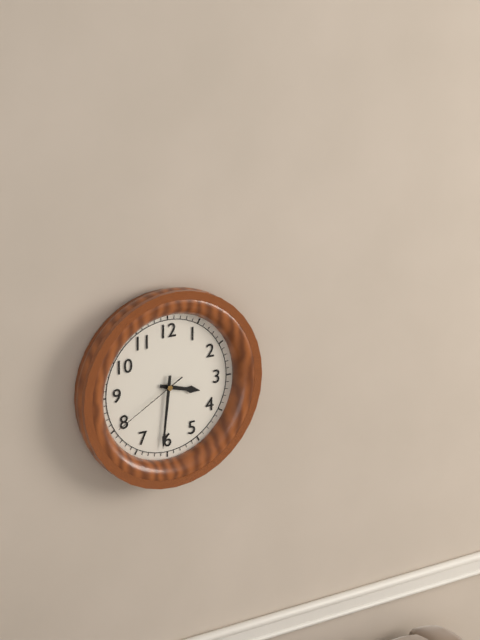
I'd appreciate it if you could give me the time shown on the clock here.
3:31:40
